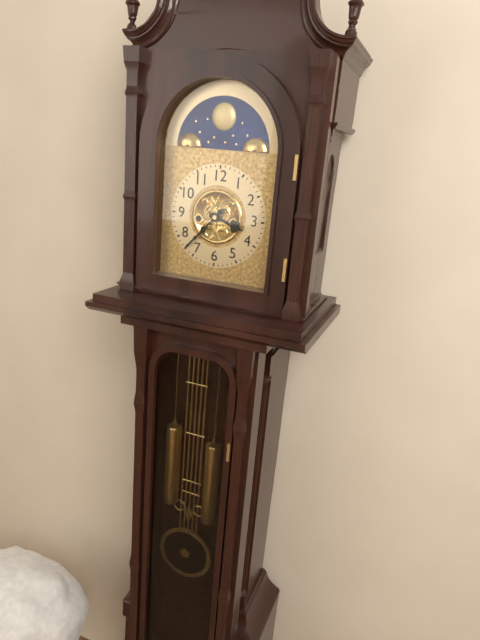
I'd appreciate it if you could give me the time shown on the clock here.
3:37
